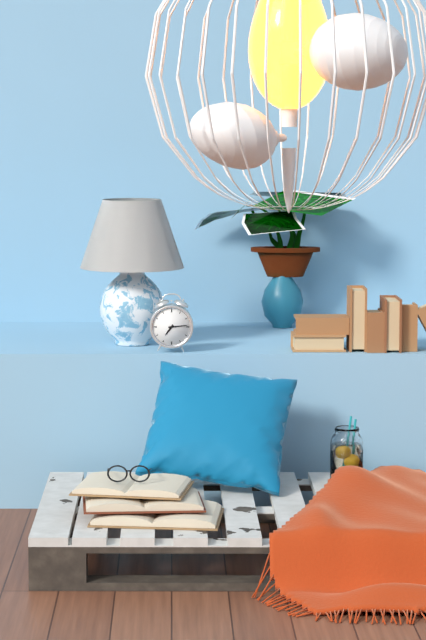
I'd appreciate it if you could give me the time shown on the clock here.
7:14
